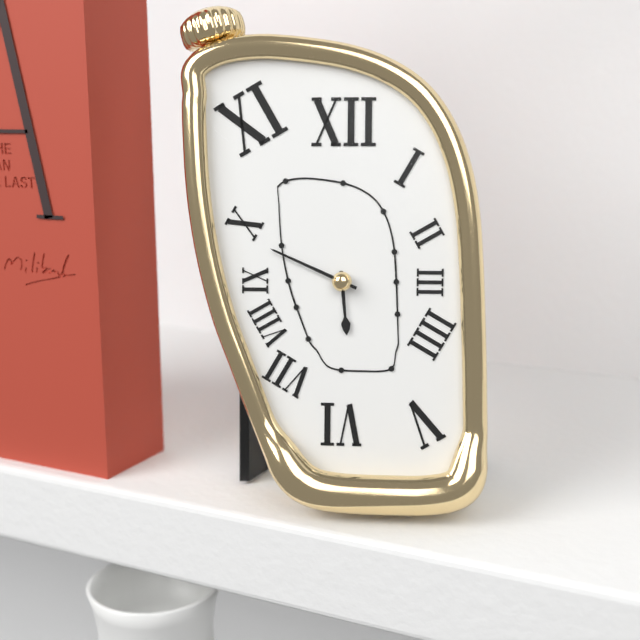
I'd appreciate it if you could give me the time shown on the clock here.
5:49
